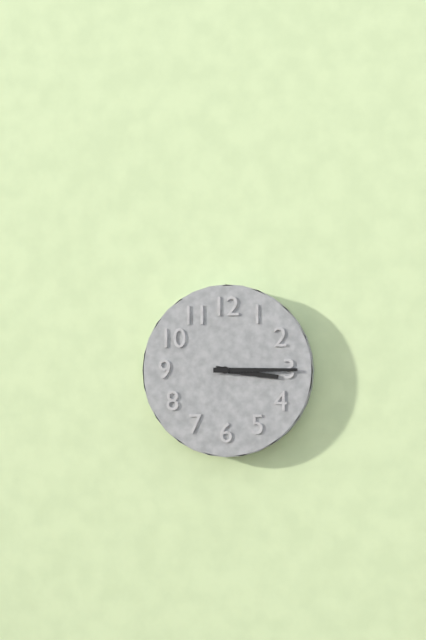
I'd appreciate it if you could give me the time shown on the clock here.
3:15
